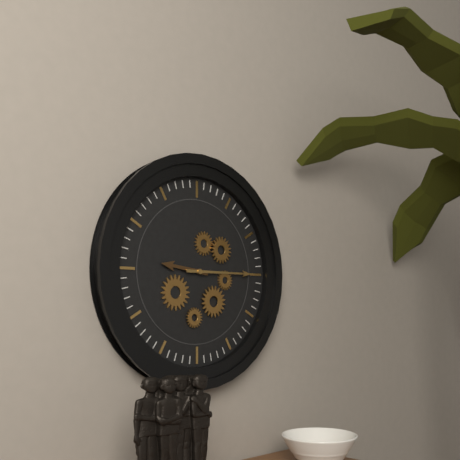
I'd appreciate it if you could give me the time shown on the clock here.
9:15
